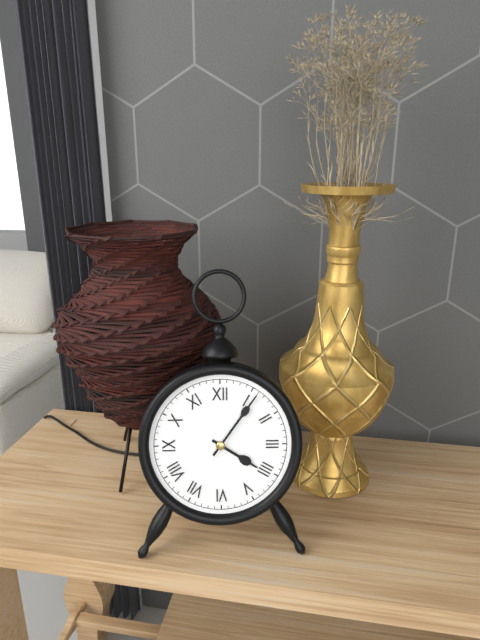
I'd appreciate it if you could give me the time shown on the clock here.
4:06
